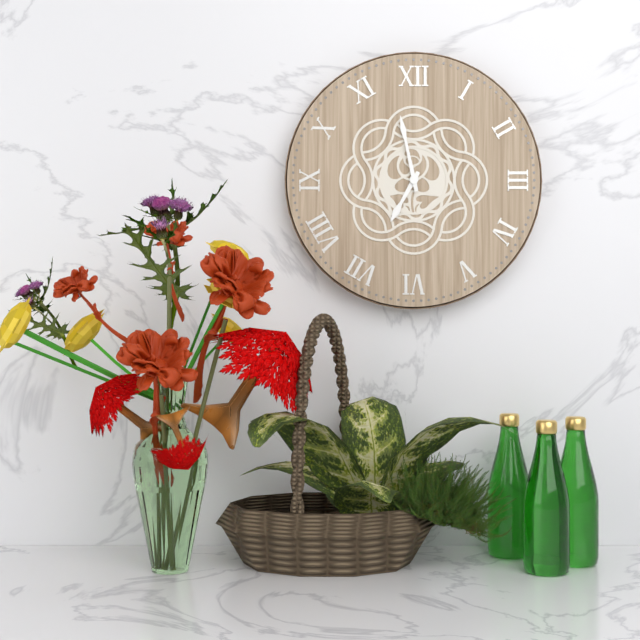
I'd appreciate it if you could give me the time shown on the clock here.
6:58
